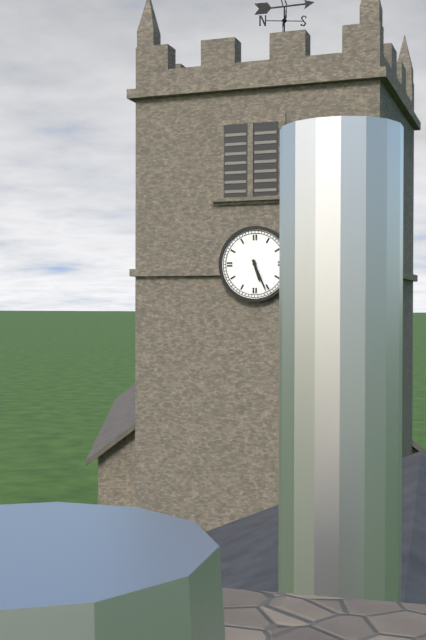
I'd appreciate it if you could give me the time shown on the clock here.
5:26
